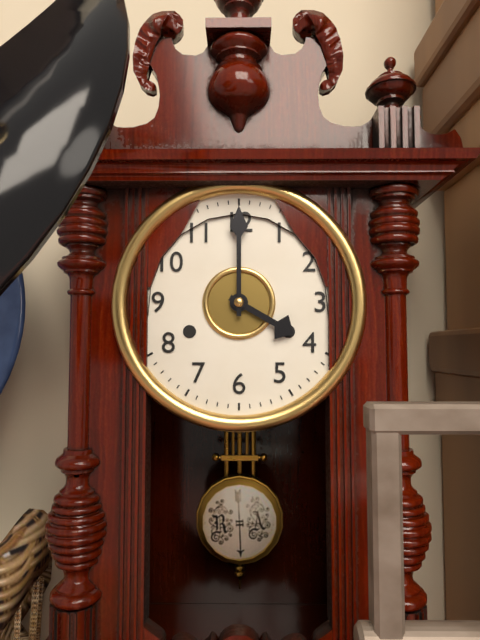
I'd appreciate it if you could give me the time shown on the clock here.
4:00
